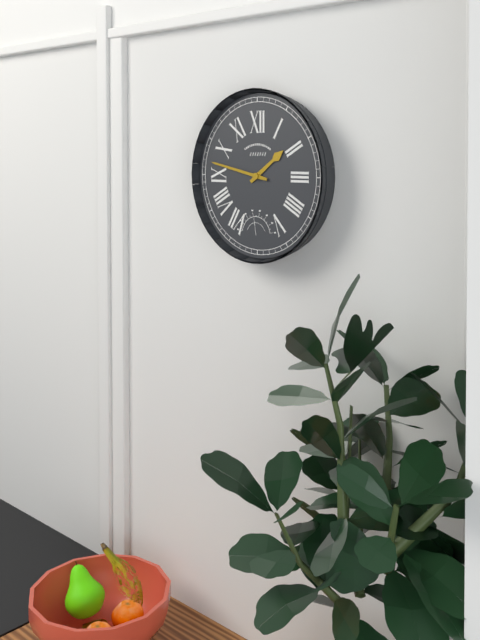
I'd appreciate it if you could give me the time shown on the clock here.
1:47
